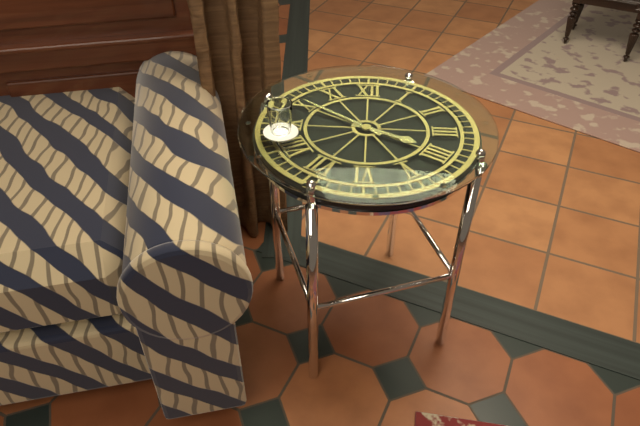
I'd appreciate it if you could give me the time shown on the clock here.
3:51
